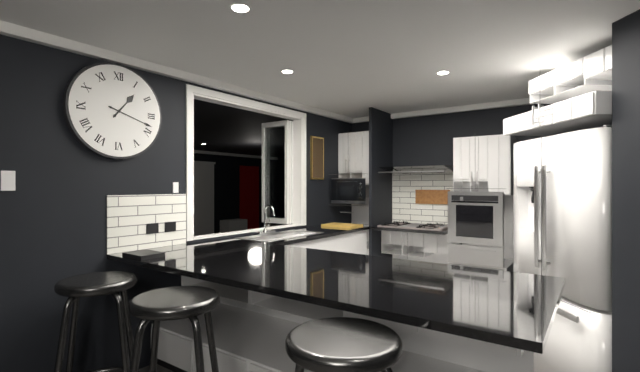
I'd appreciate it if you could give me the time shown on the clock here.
1:18
